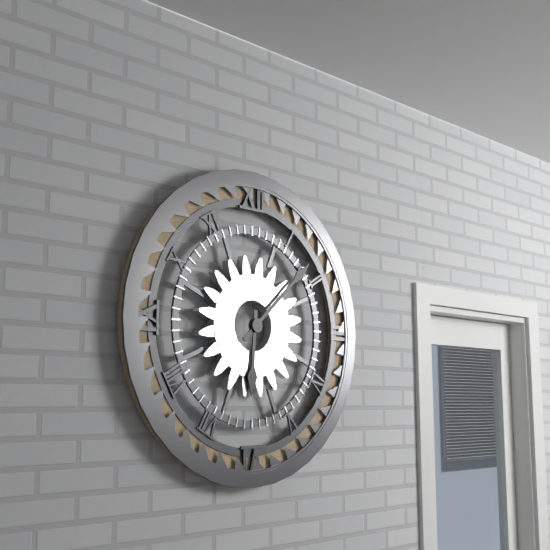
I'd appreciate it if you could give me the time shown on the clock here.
6:08
